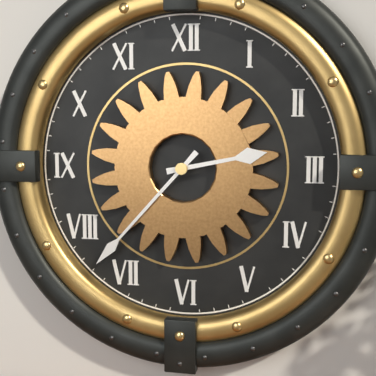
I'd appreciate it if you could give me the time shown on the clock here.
2:37
